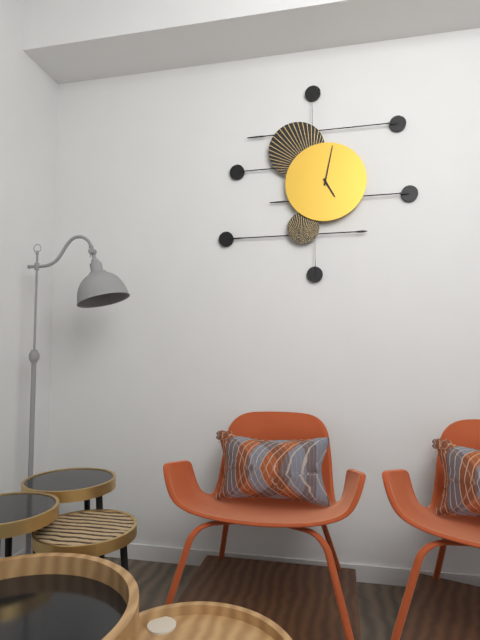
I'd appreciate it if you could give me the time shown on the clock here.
5:02
